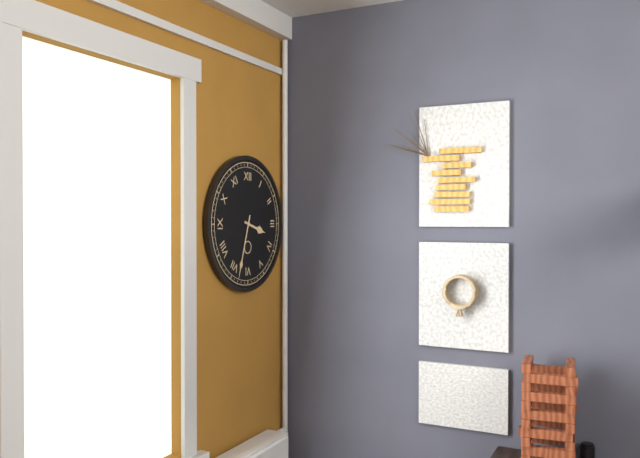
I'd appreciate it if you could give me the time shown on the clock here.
3:33
